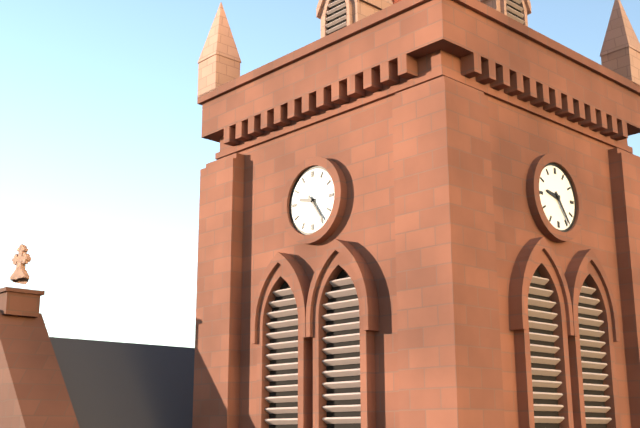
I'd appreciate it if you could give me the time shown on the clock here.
9:24
